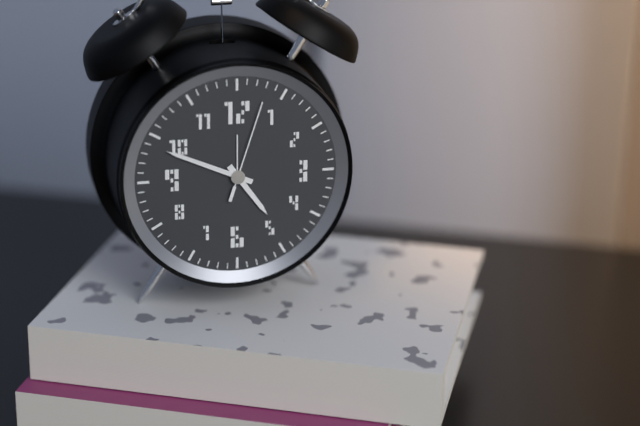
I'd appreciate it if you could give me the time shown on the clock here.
4:49:03
